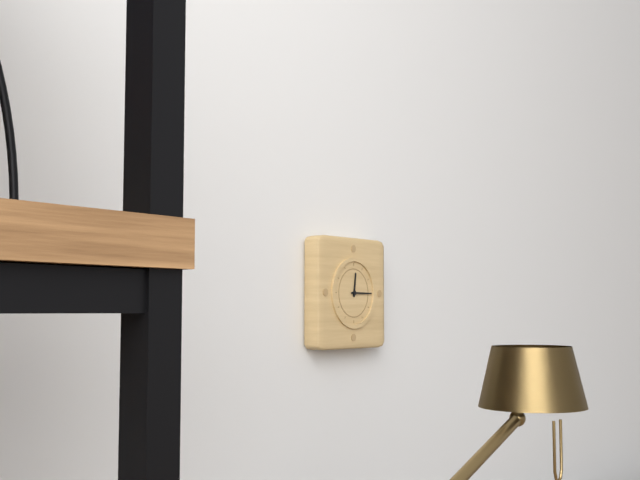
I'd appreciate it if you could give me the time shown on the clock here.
12:15
